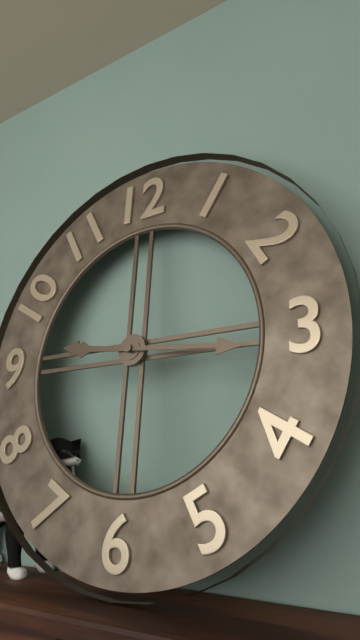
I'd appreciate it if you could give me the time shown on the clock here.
9:16
